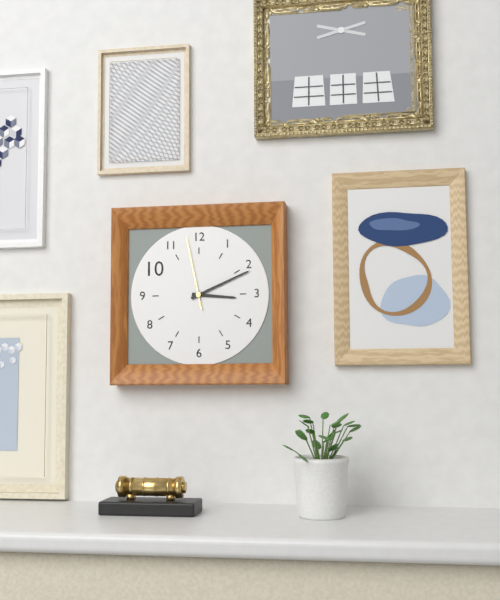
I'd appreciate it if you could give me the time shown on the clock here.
3:11:58
